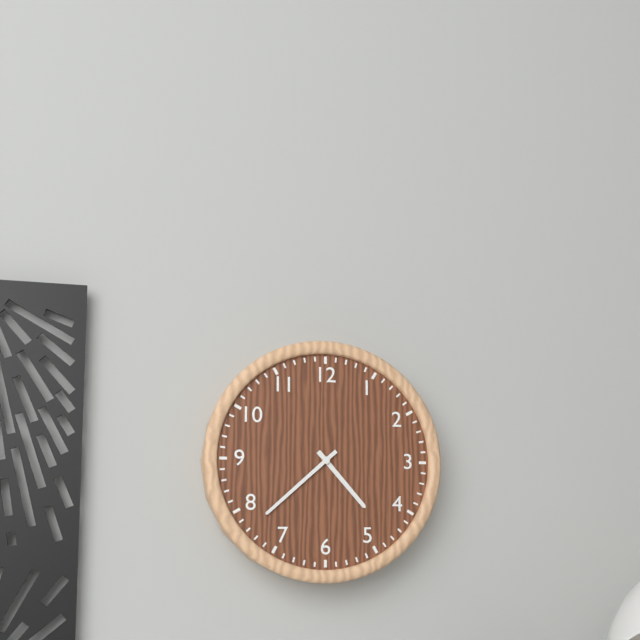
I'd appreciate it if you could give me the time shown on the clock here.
4:38
